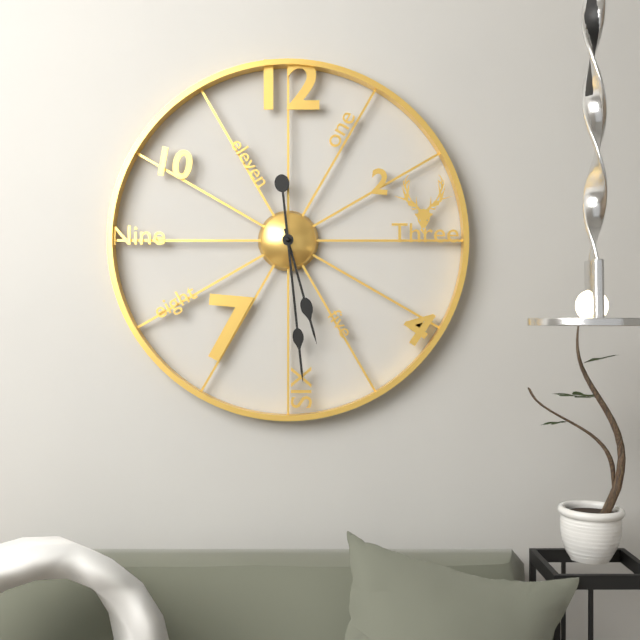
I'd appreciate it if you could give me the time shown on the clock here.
5:29
